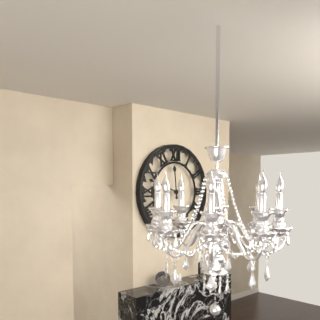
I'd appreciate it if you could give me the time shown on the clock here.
11:48
